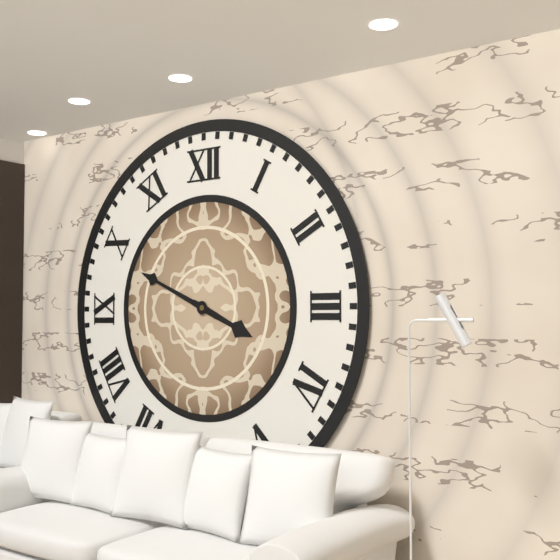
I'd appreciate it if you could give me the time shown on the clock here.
3:49
